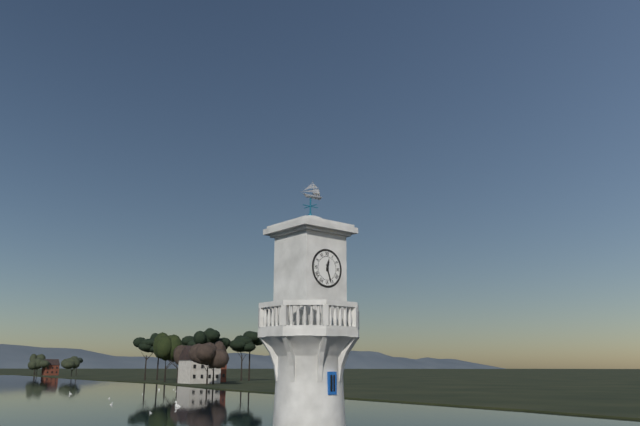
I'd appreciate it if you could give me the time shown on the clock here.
12:27
